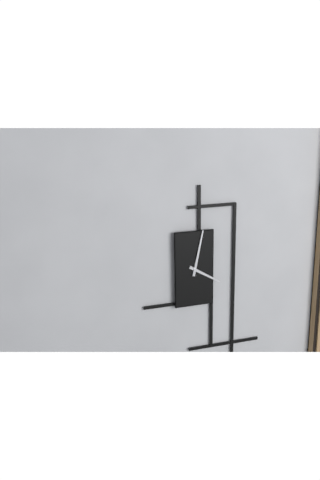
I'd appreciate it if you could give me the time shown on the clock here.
4:02
